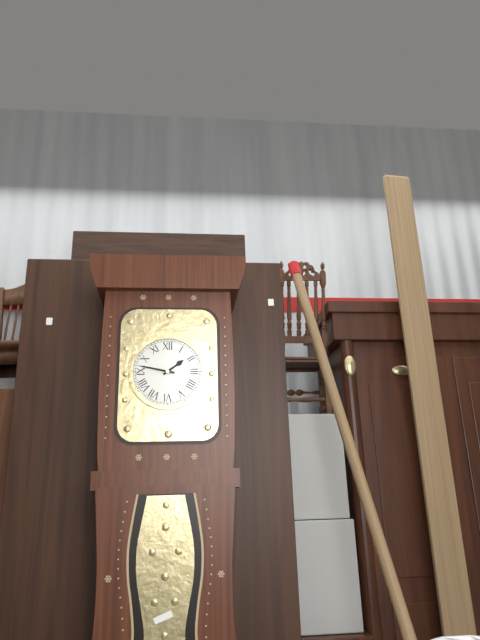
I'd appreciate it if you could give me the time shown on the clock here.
1:47
